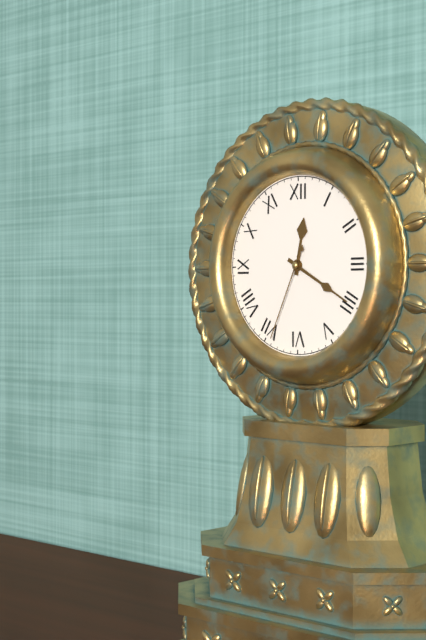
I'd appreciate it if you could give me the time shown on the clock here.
12:20:34
